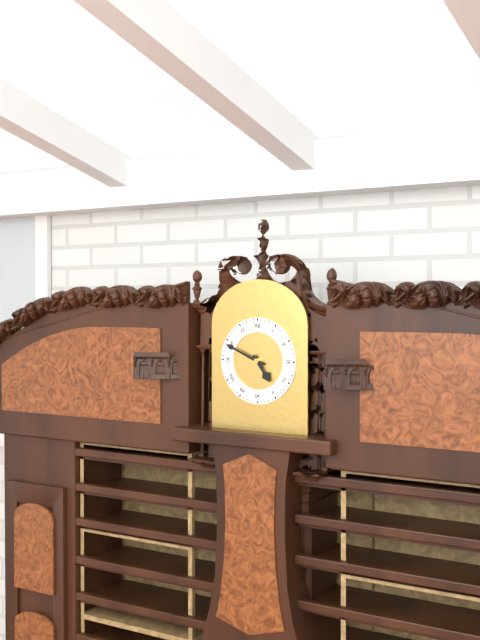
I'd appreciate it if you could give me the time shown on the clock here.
4:49
